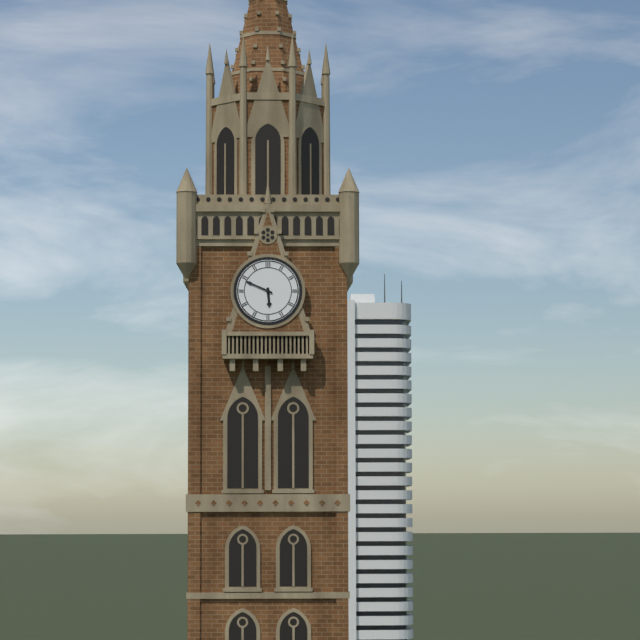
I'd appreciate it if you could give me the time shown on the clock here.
5:49
